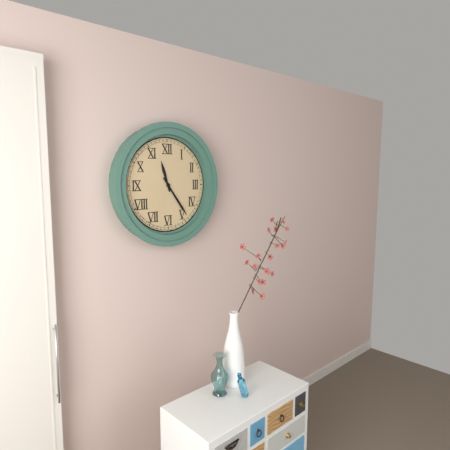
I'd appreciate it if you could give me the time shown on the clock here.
11:24
